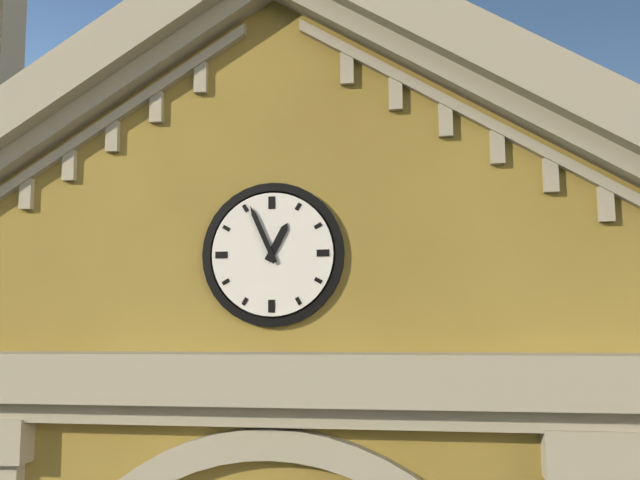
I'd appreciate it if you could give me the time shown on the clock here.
12:56
